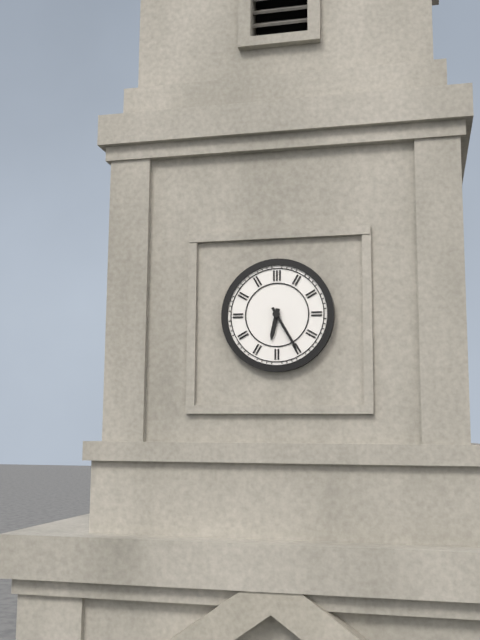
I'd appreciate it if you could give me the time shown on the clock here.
6:25
